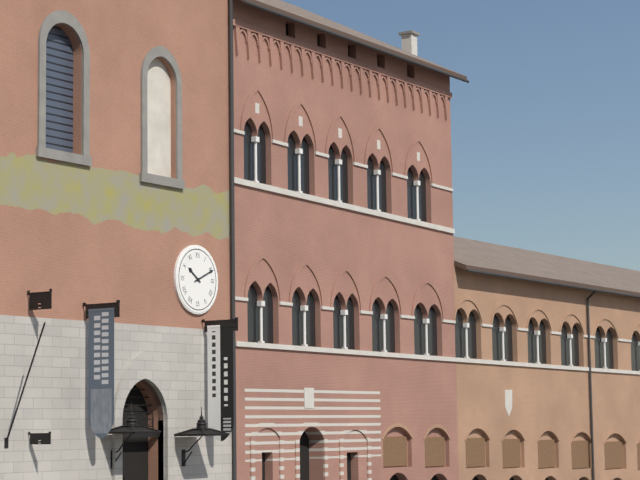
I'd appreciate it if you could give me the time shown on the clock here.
10:11
